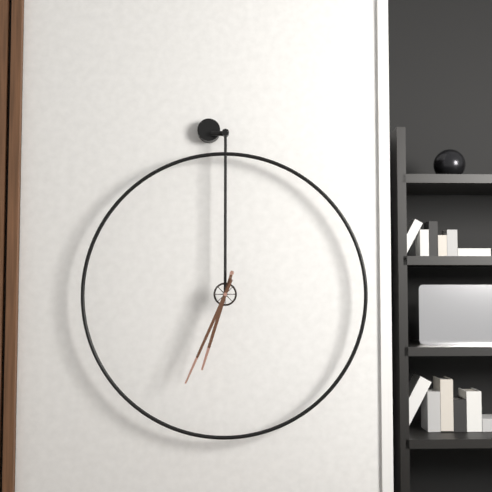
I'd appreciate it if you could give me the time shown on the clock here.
6:34
